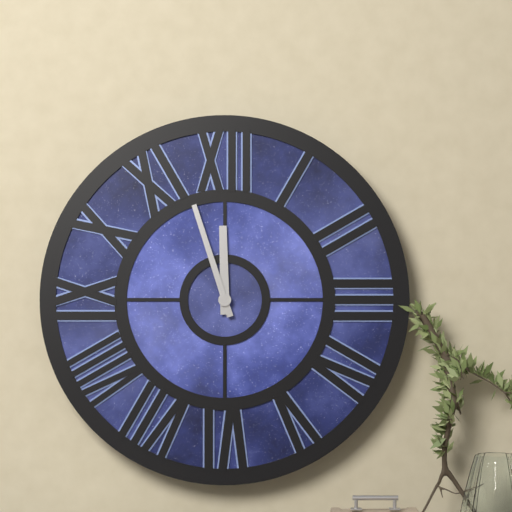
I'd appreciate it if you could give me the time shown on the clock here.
11:57
